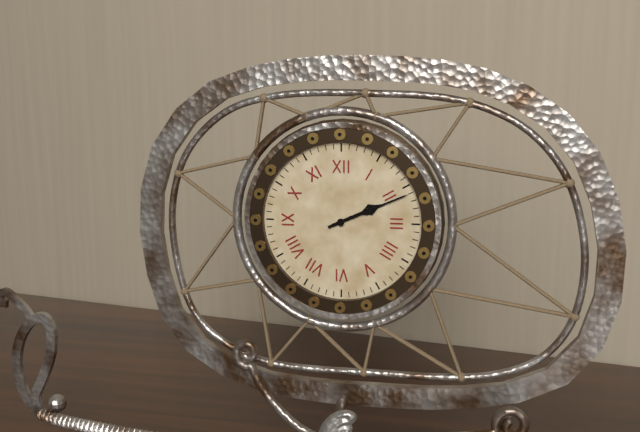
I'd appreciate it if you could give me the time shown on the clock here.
2:11
